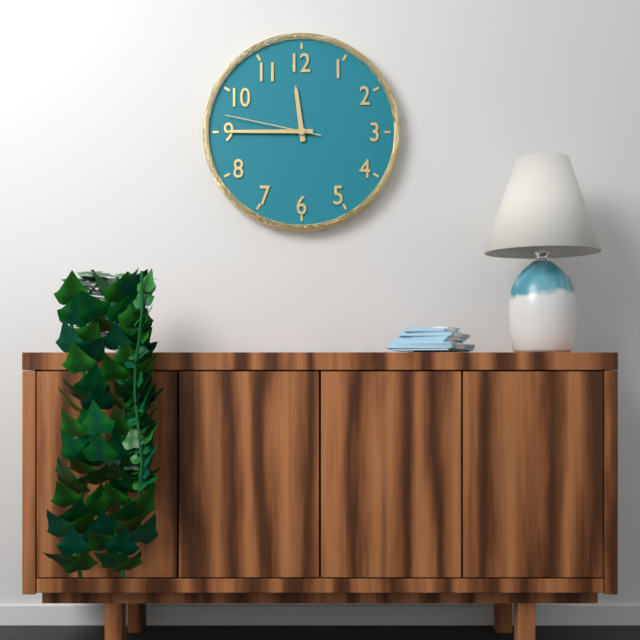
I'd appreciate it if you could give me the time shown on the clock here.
11:45:47
